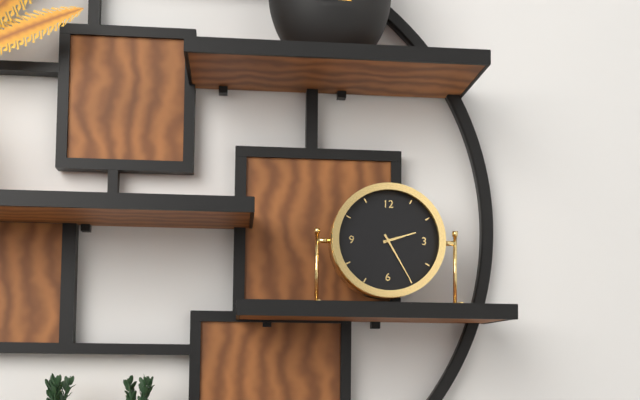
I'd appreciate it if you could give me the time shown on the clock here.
2:25
